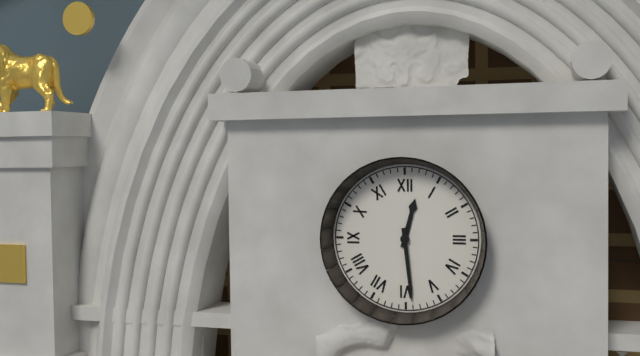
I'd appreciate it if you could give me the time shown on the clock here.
12:29
